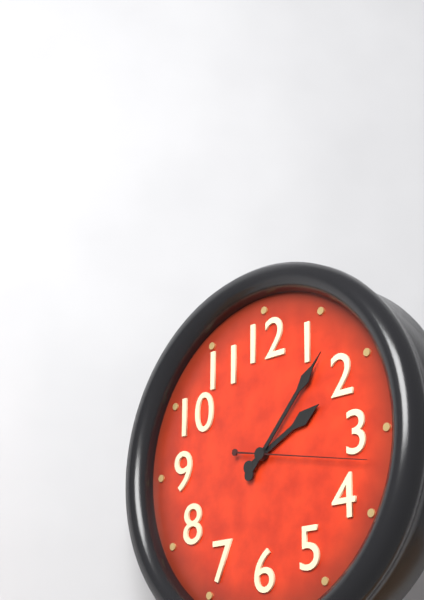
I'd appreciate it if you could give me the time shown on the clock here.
2:07:17
